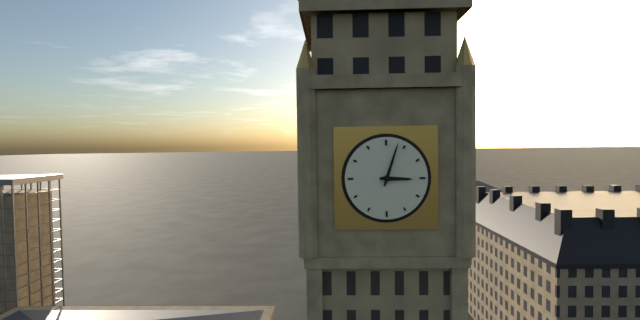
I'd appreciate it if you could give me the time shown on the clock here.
3:03
